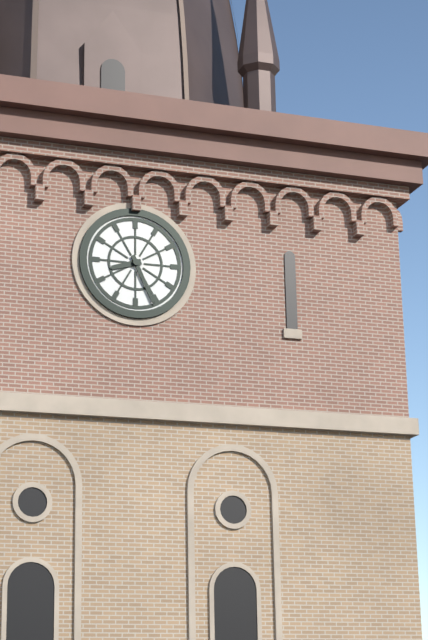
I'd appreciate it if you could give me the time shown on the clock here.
8:26
